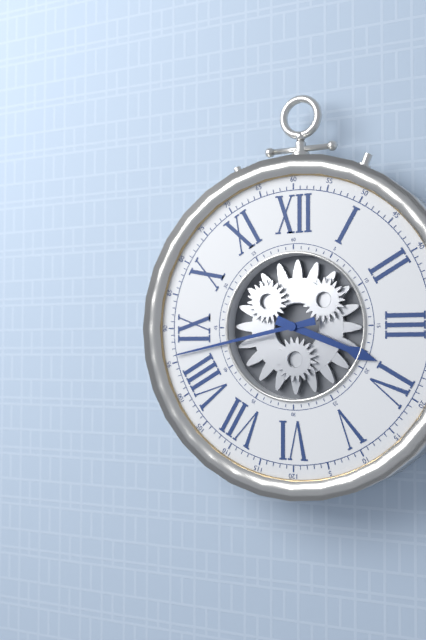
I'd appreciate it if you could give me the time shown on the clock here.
3:43
